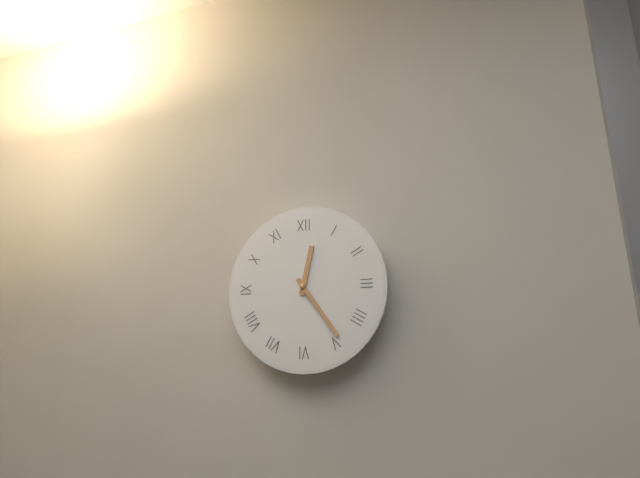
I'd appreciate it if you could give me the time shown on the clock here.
12:24
